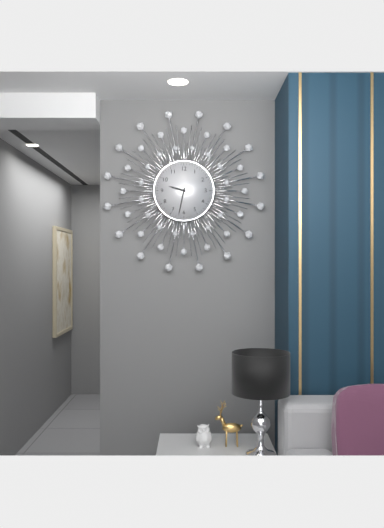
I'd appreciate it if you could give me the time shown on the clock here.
9:32
